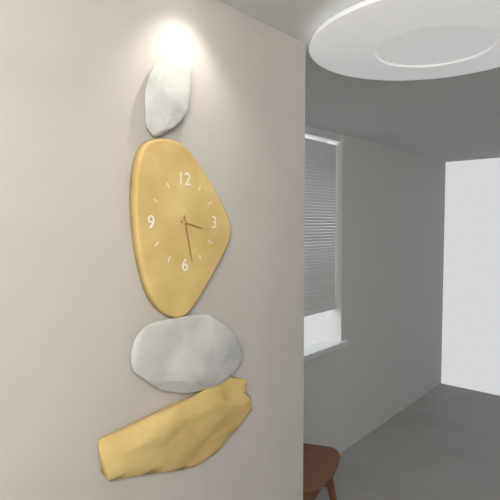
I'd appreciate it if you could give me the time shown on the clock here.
3:28
